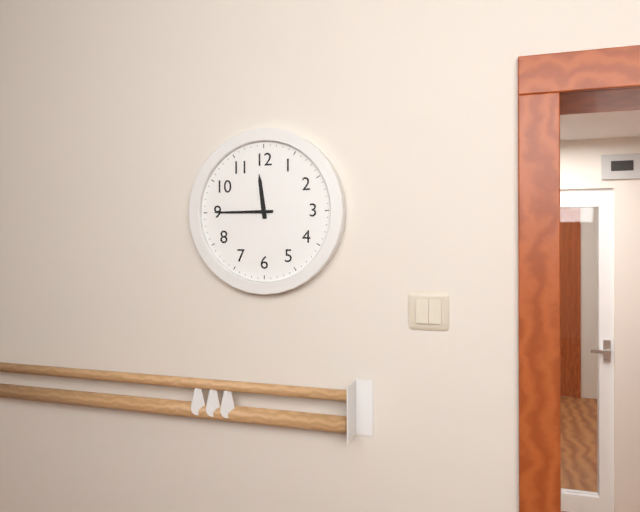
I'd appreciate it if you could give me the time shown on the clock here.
11:45
